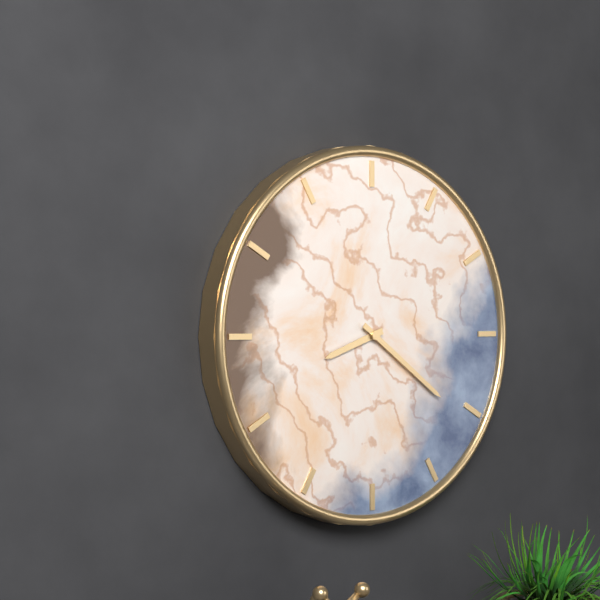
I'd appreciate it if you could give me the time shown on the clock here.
8:21
